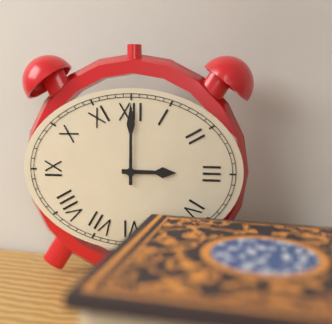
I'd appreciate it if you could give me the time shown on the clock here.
3:00
